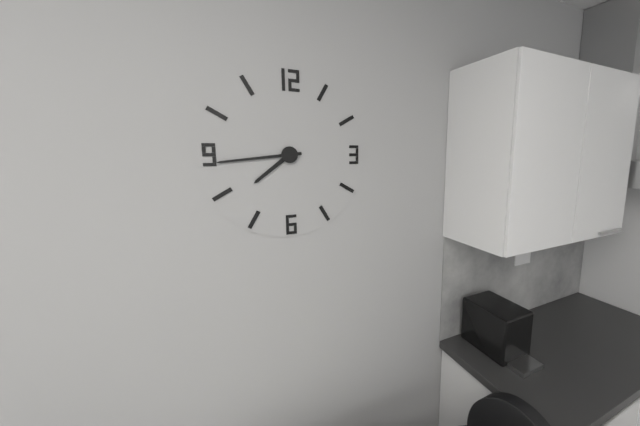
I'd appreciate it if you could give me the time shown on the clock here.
7:44
